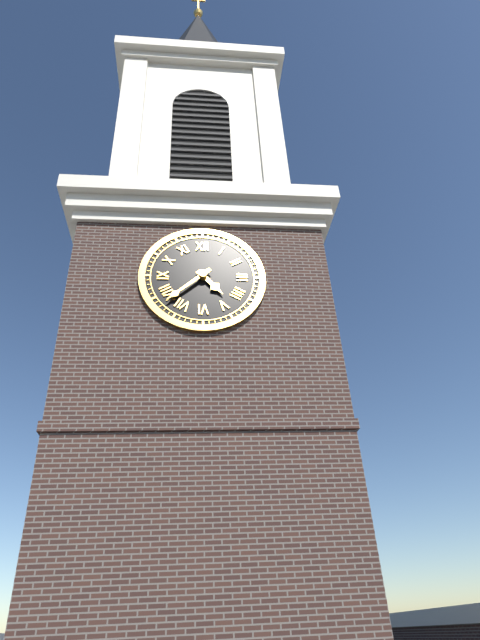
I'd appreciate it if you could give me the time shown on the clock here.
4:38
